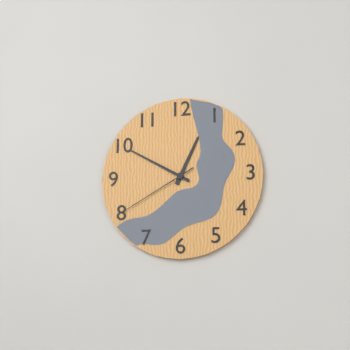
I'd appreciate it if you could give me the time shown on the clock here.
12:50:40
